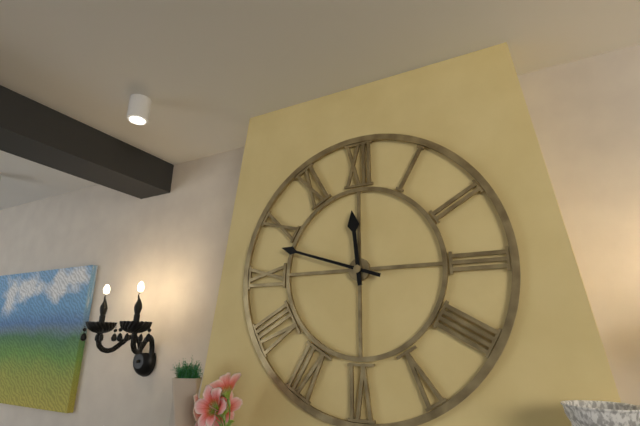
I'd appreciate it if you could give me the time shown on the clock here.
11:48
